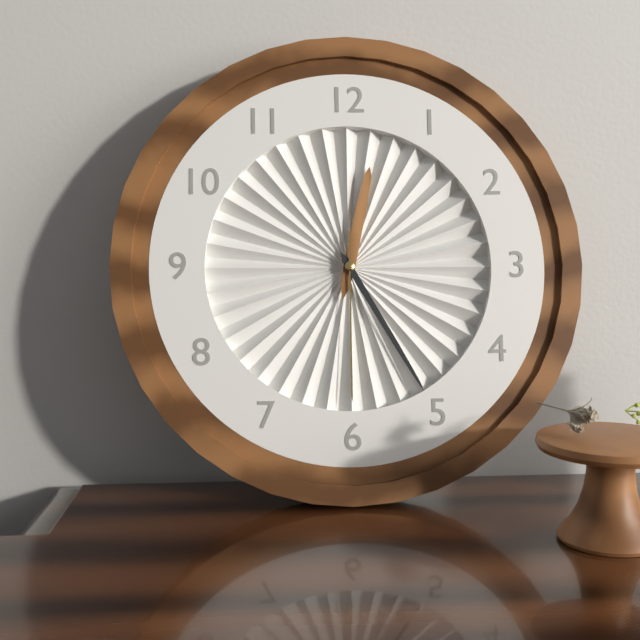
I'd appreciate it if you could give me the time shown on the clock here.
12:25:30
